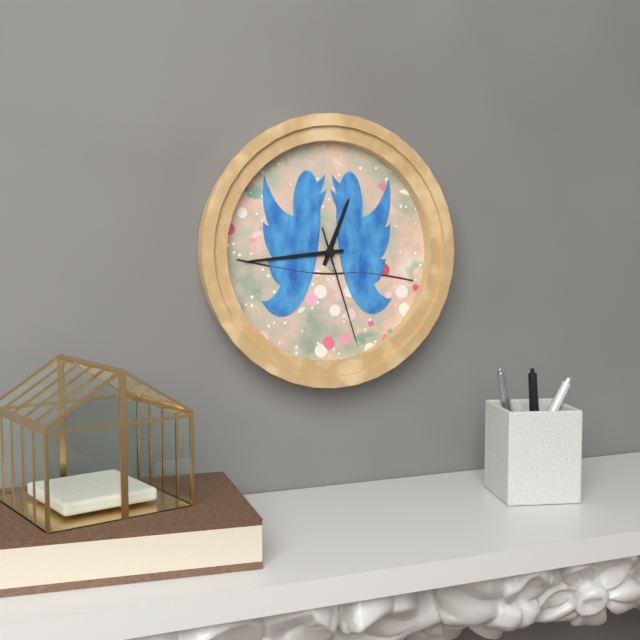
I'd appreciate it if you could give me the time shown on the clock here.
12:44:27
